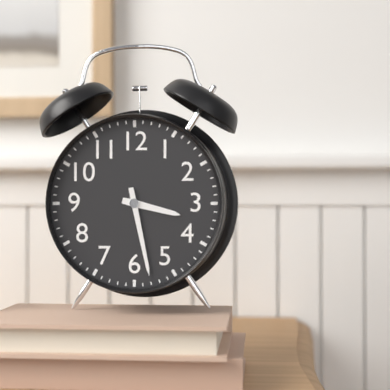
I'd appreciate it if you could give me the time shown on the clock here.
3:28
